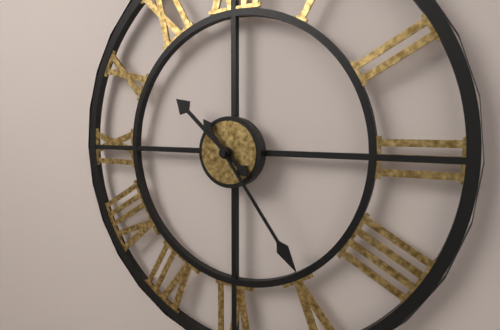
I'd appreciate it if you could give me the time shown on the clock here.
10:24
